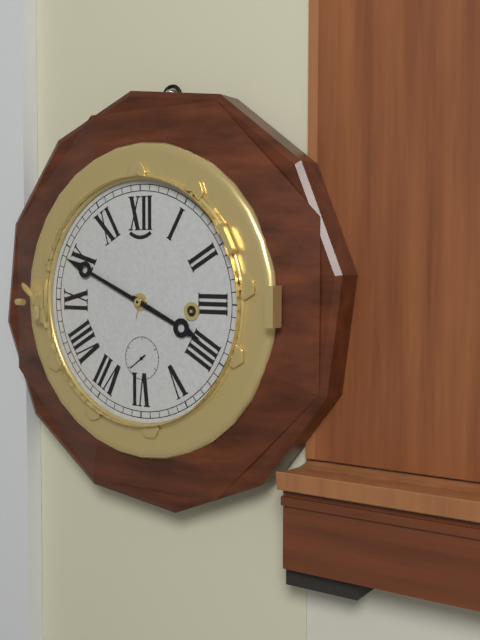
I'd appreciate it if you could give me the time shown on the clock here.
3:49:39
